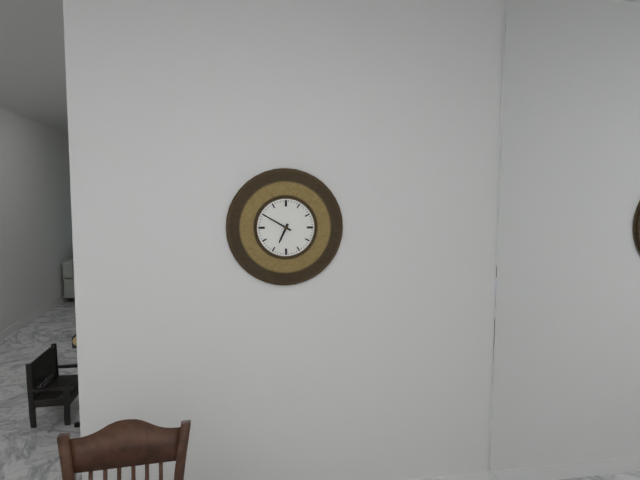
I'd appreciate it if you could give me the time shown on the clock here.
6:50
